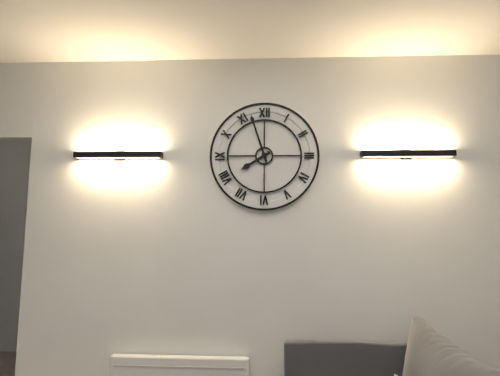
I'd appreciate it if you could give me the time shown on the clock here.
7:57
